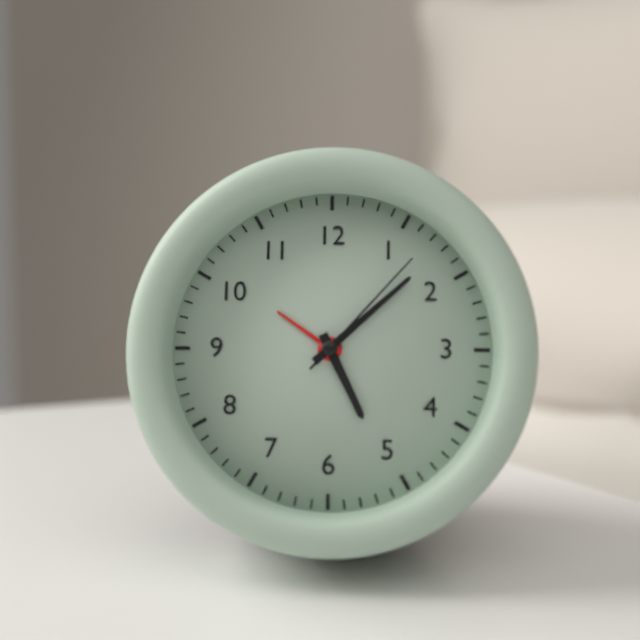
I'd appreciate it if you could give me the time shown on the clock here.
5:08:07
